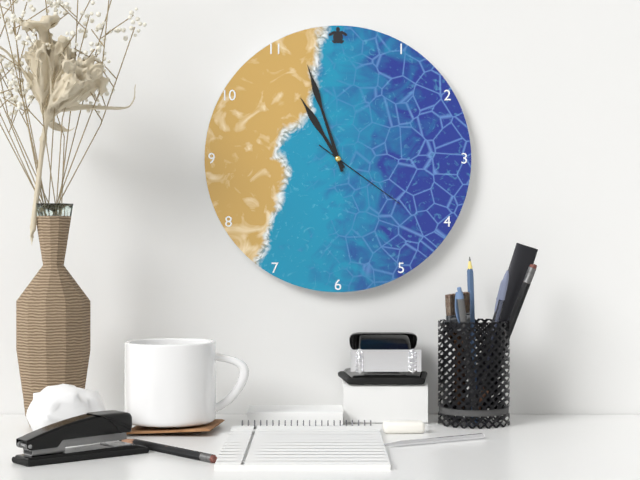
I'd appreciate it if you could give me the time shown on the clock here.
10:57:21
